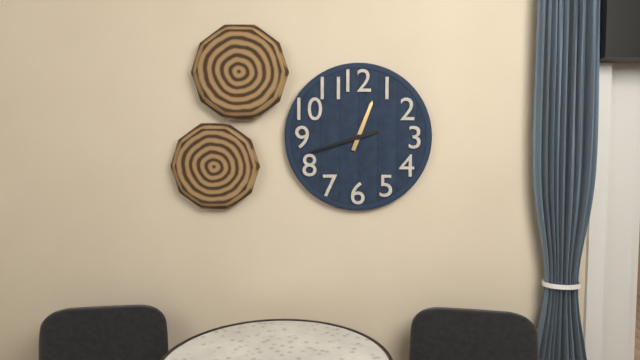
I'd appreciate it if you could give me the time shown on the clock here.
12:42
